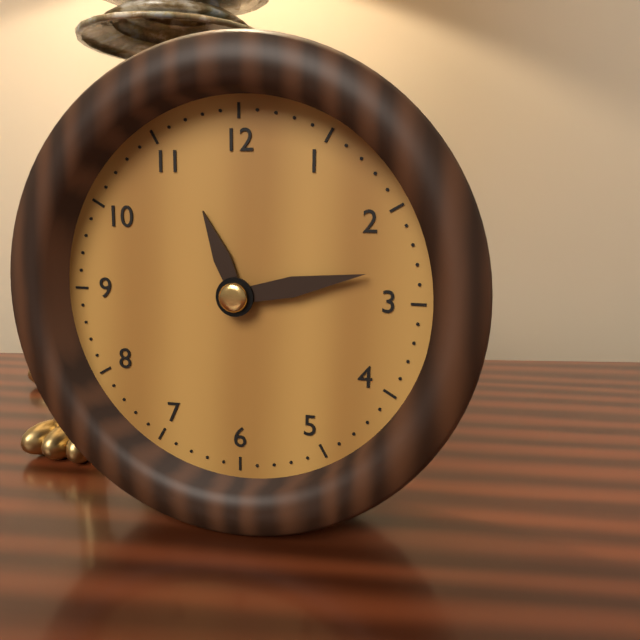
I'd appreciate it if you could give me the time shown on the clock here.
11:13
